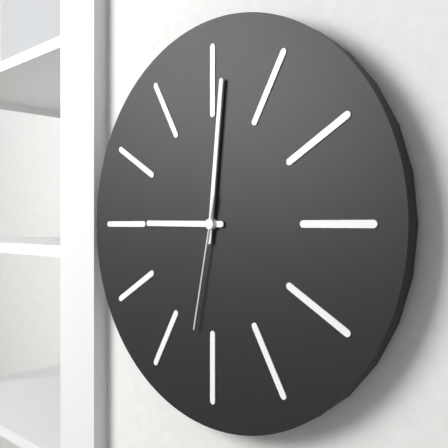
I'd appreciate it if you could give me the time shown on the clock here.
9:01:32
